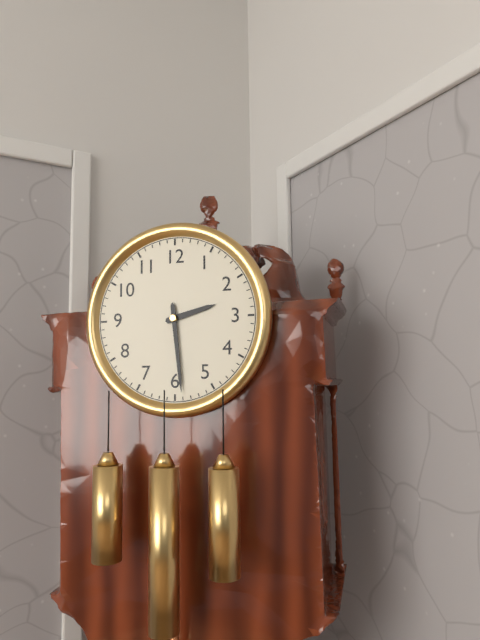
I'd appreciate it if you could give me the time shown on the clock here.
2:29
